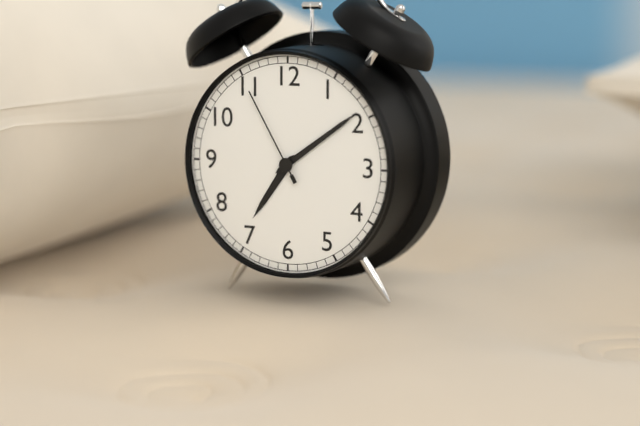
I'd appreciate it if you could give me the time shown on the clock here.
7:09:55
